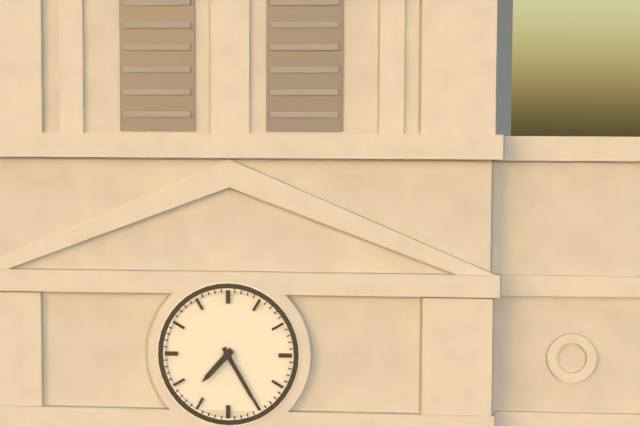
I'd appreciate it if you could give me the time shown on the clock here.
7:25
